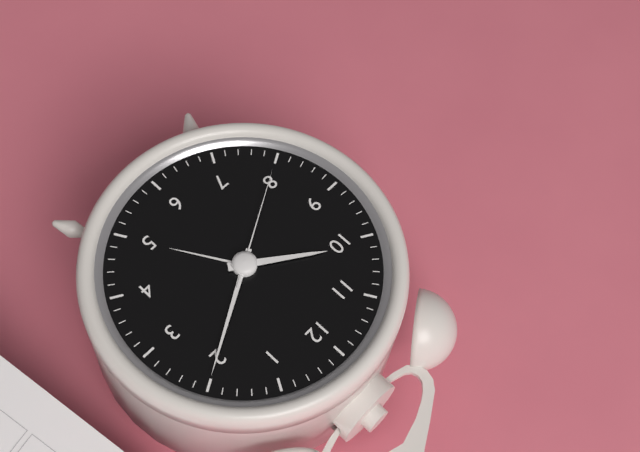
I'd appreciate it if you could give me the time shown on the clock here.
10:10:40
